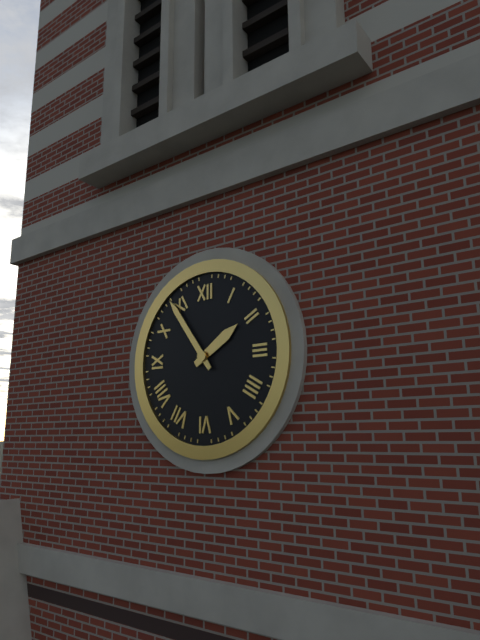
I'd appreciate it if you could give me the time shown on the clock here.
1:54
